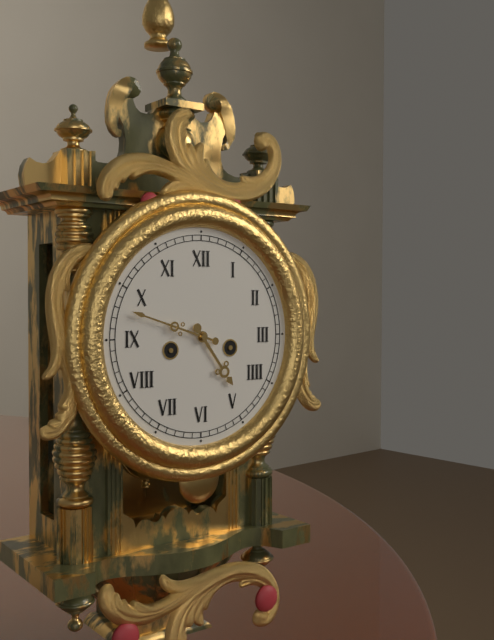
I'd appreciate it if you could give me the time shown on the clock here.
4:48
